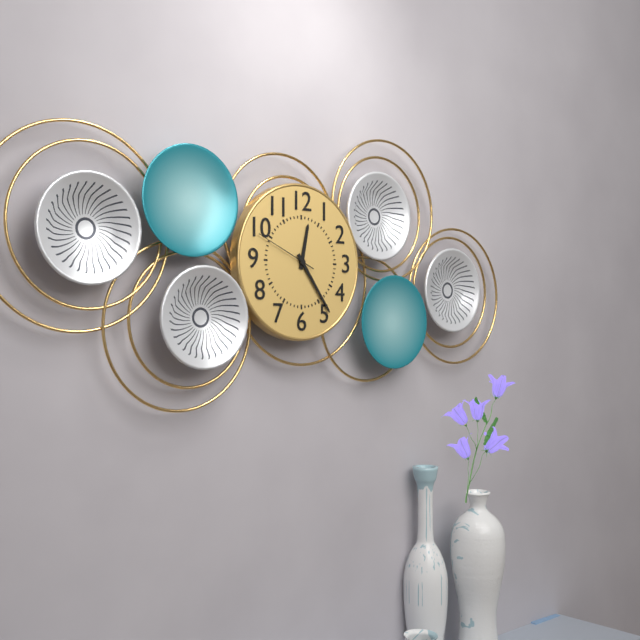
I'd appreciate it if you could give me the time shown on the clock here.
12:24:49
